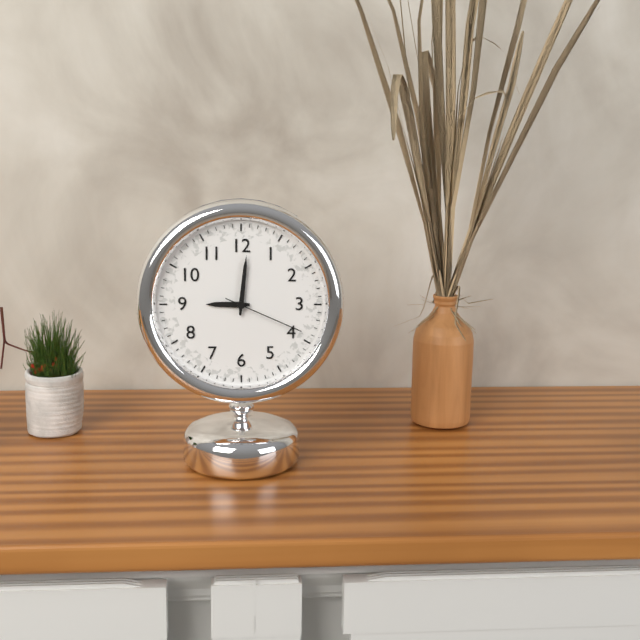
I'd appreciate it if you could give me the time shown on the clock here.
9:01:19
